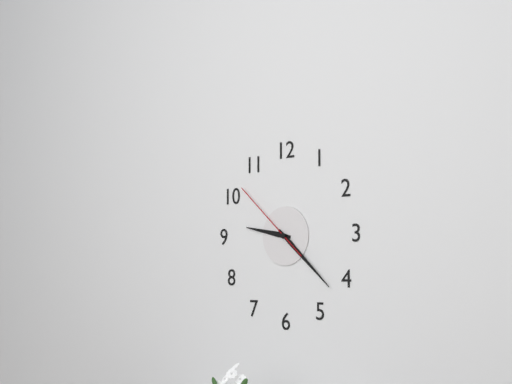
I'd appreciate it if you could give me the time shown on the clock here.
9:22:52
